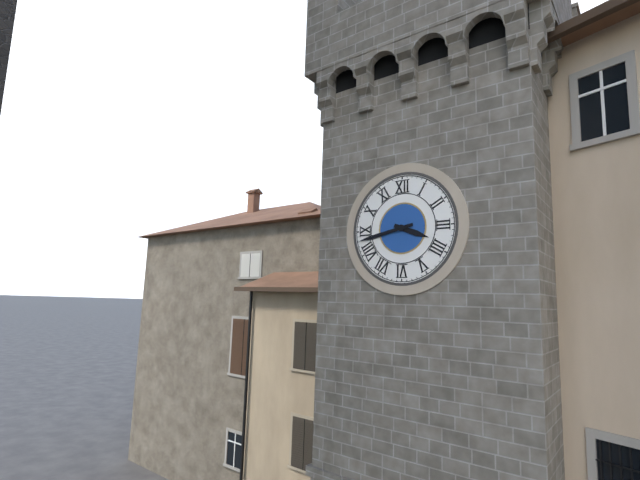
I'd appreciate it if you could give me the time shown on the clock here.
3:43
